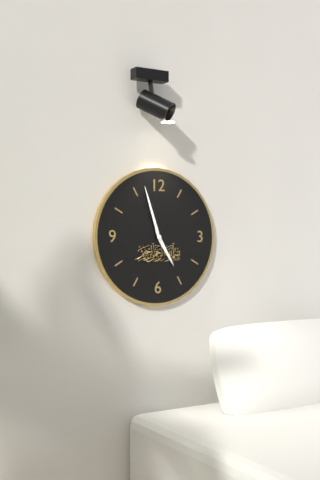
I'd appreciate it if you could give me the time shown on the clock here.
4:57
